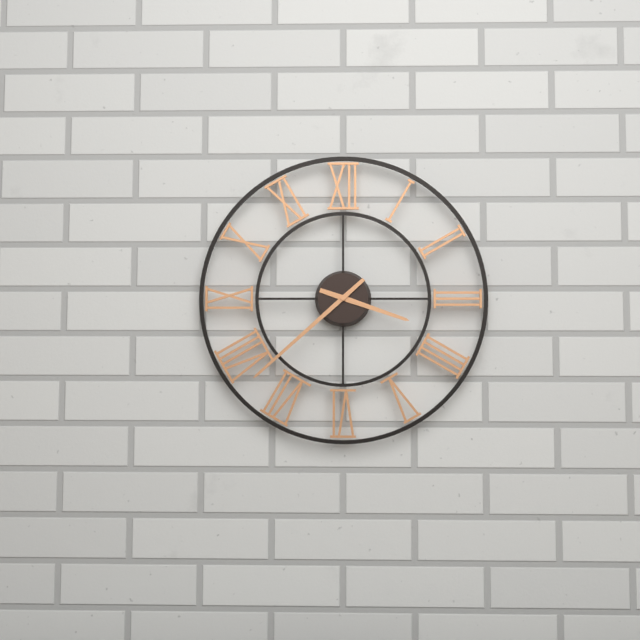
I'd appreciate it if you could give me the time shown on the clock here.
3:38
